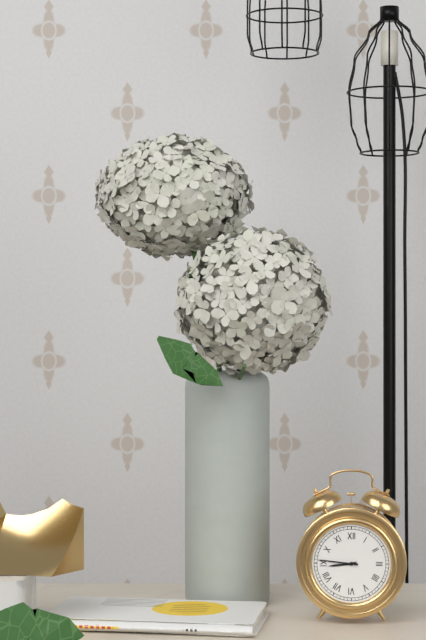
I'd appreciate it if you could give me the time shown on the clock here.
8:46
